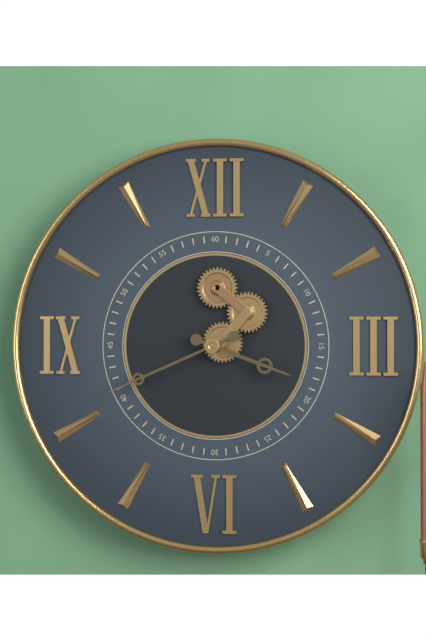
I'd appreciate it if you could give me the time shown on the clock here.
3:41
